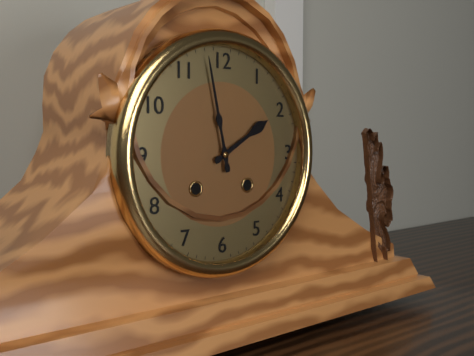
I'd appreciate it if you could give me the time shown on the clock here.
1:58
